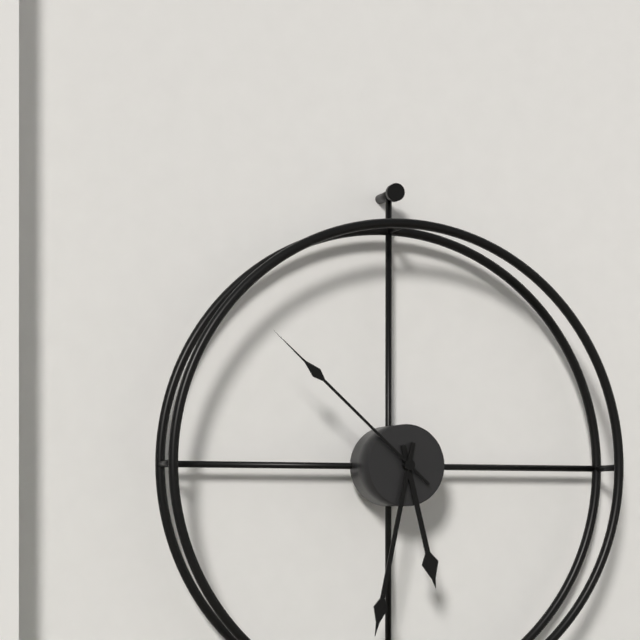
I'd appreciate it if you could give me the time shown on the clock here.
5:32:52
